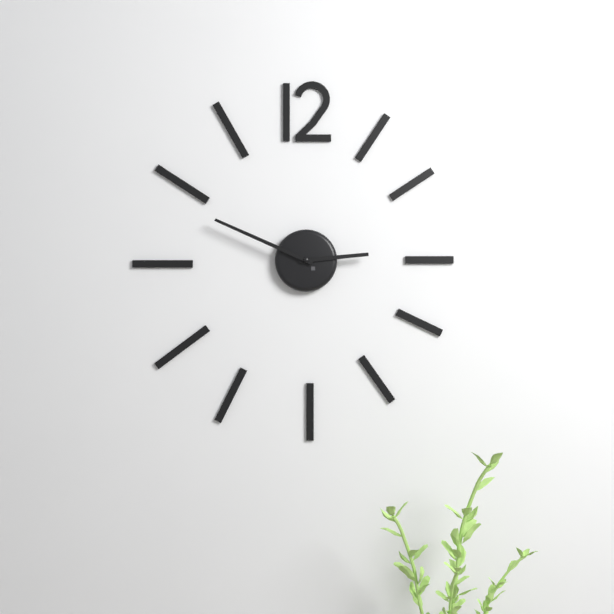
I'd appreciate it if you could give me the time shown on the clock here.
2:49
